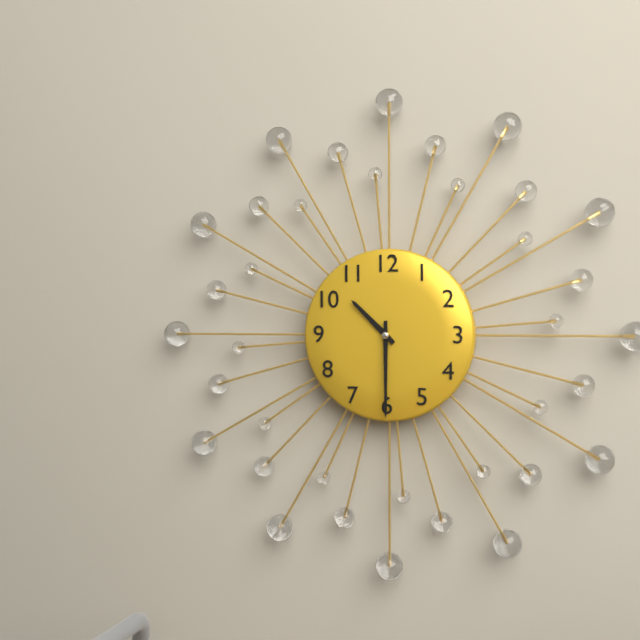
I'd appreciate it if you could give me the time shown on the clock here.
10:30
